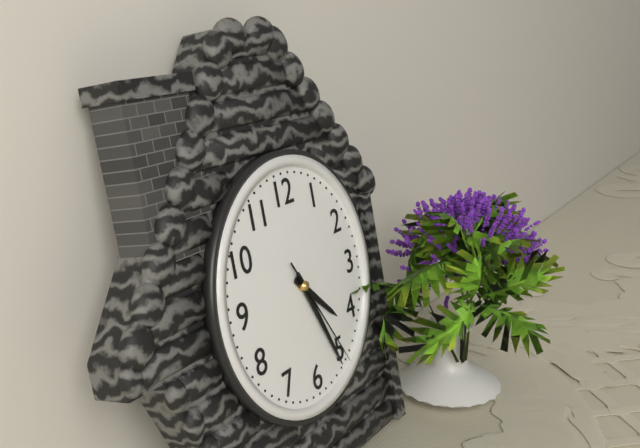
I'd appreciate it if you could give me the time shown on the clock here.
4:26:25
